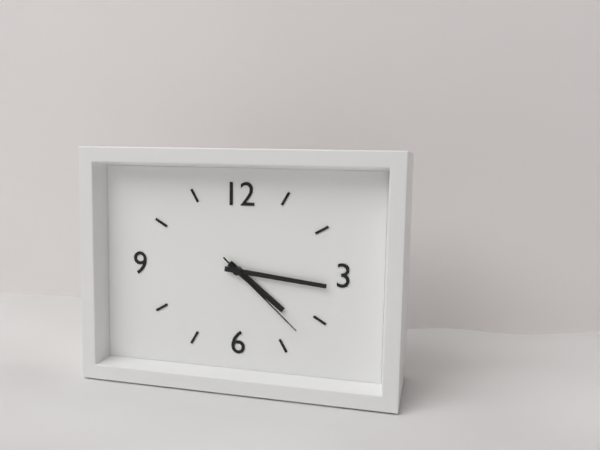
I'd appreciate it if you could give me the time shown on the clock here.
4:16:22
